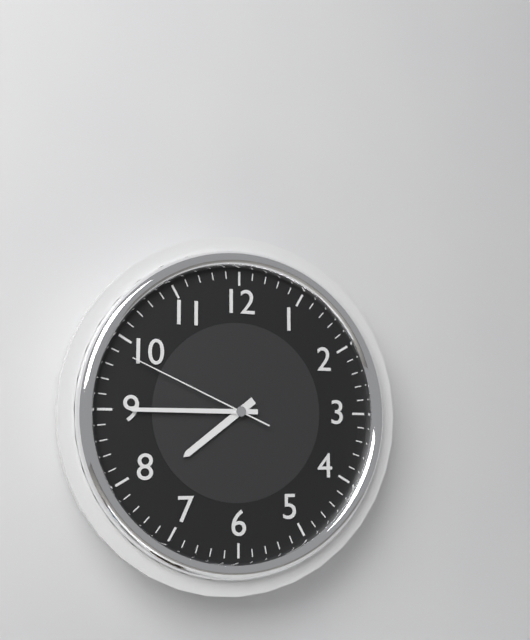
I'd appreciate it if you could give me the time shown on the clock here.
7:45:49
